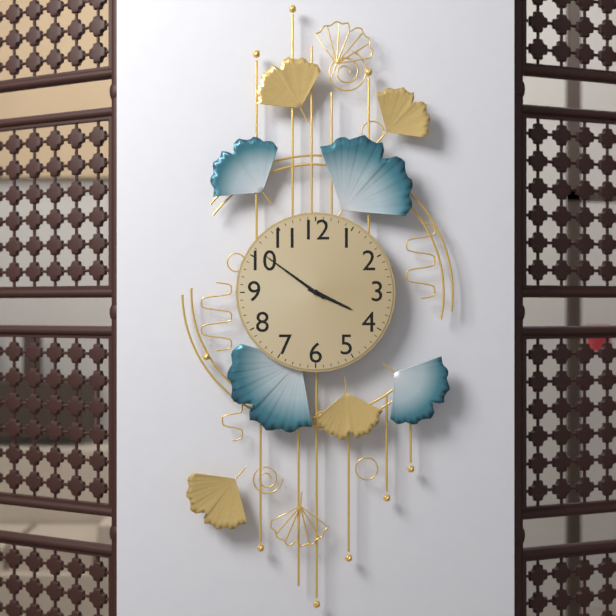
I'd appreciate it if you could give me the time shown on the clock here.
3:51
